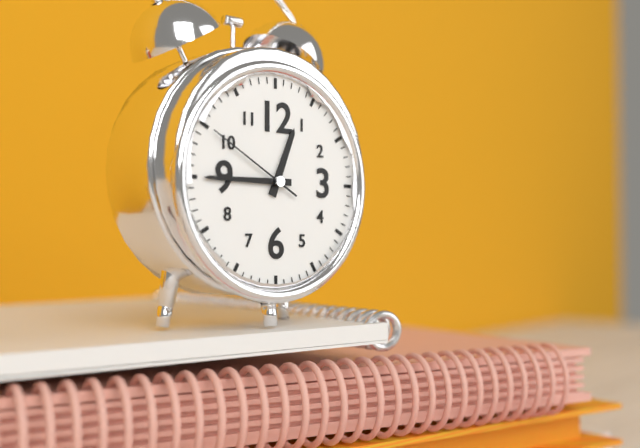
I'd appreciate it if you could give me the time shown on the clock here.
12:45:50
